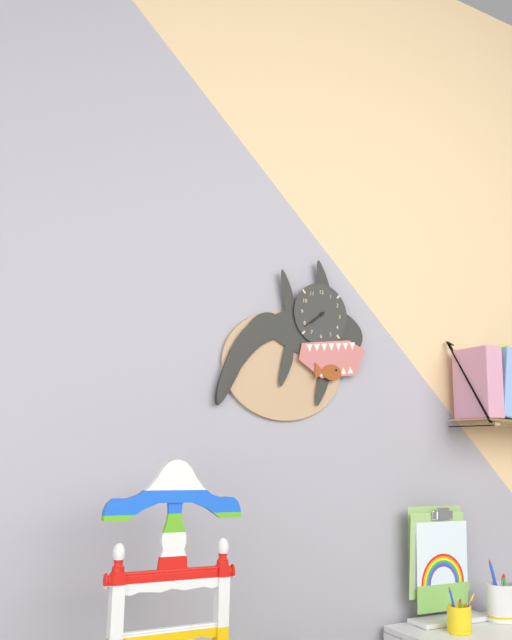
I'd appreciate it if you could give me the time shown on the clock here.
7:39
